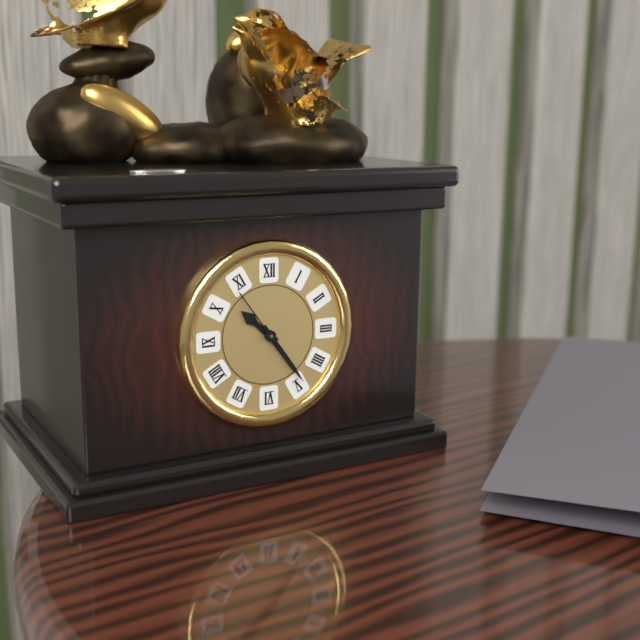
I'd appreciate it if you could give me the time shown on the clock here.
10:24:54
